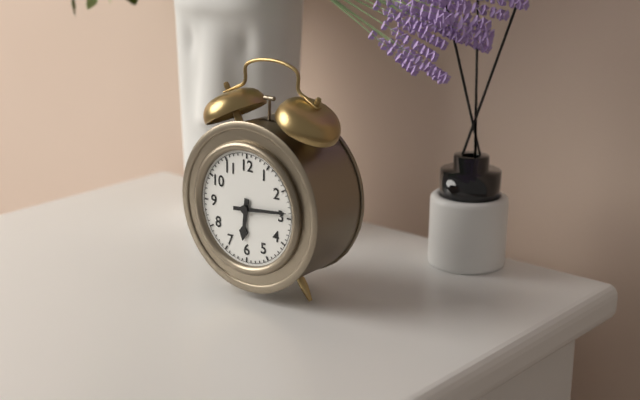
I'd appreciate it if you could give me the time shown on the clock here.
6:14
